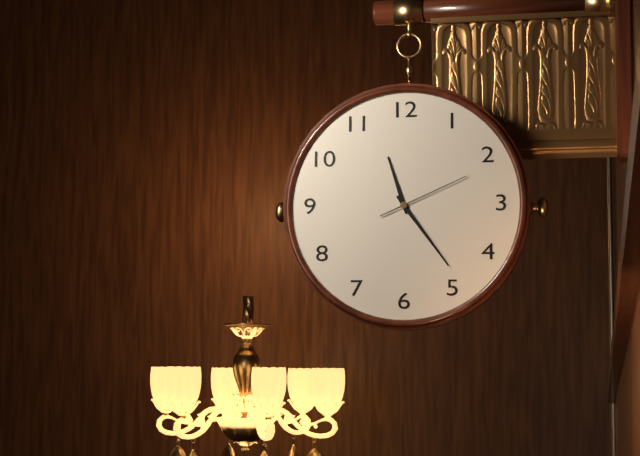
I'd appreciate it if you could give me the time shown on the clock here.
11:24:11
